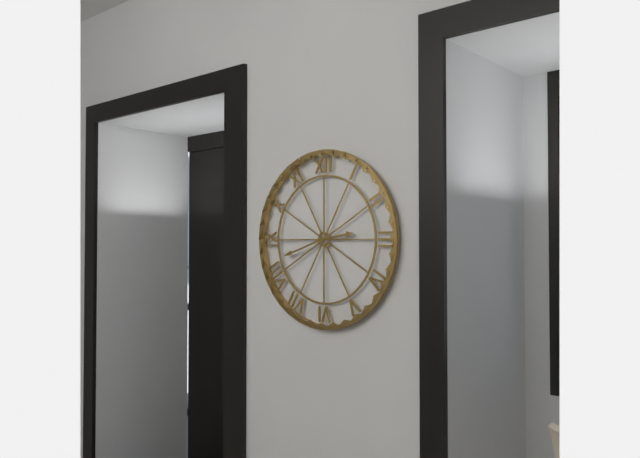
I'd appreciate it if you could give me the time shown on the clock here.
2:42
